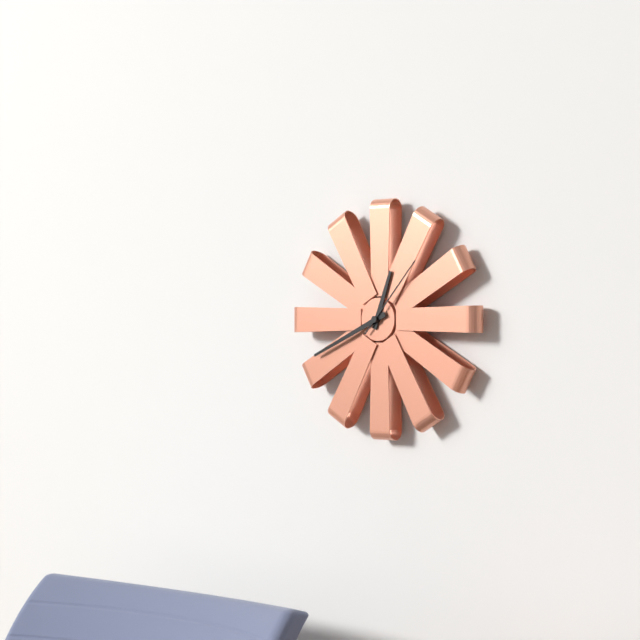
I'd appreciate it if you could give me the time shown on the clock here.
12:41:07
